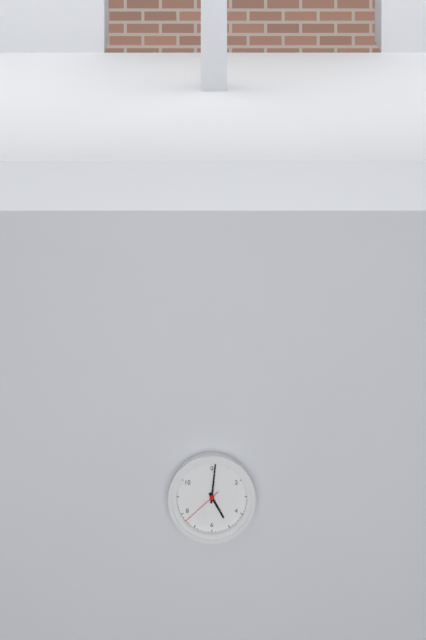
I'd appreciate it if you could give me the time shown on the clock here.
5:01
